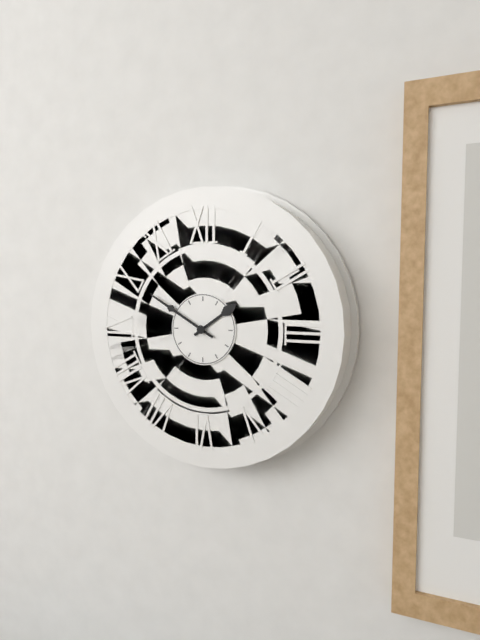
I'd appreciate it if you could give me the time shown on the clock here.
1:50
